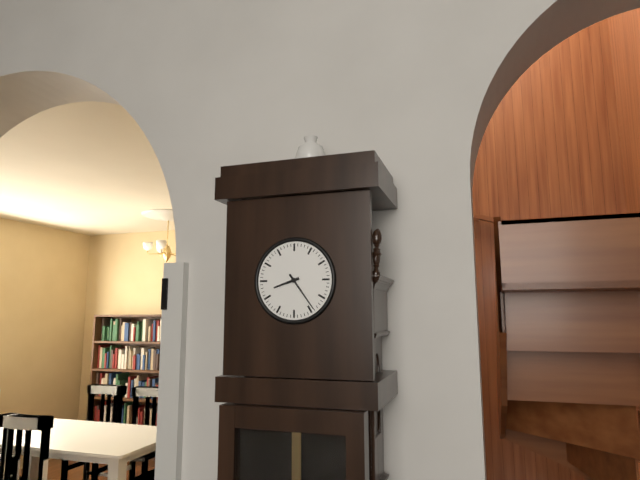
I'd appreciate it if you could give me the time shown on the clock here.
8:24
